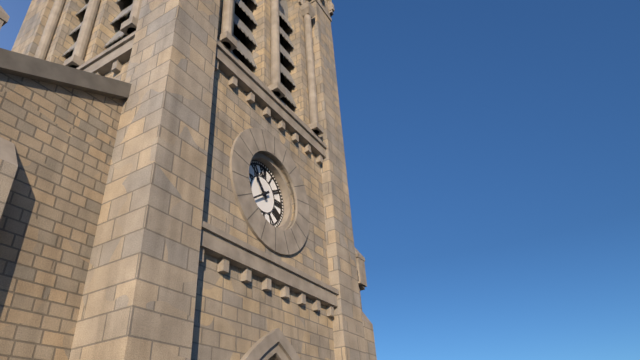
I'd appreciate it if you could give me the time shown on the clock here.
10:39
